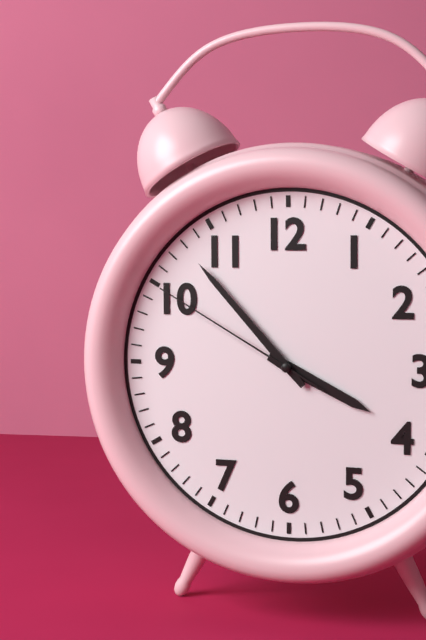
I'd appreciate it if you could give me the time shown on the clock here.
3:53:50
